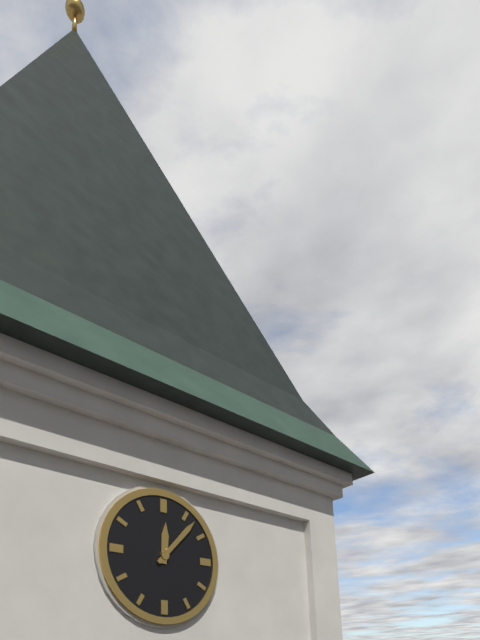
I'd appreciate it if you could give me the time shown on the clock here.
12:07
